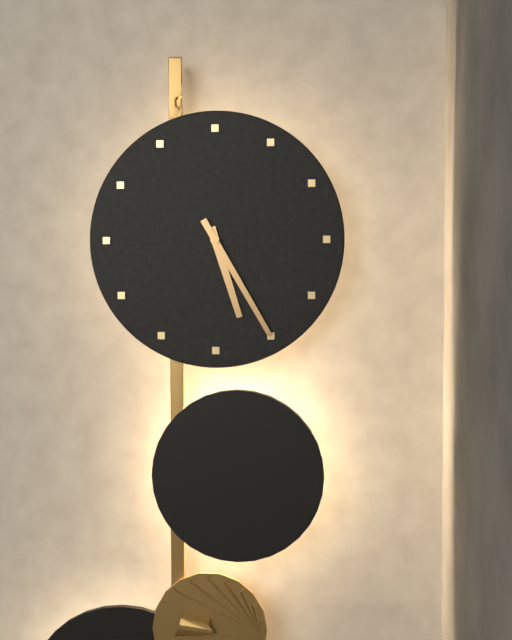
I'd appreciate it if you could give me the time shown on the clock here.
5:25
